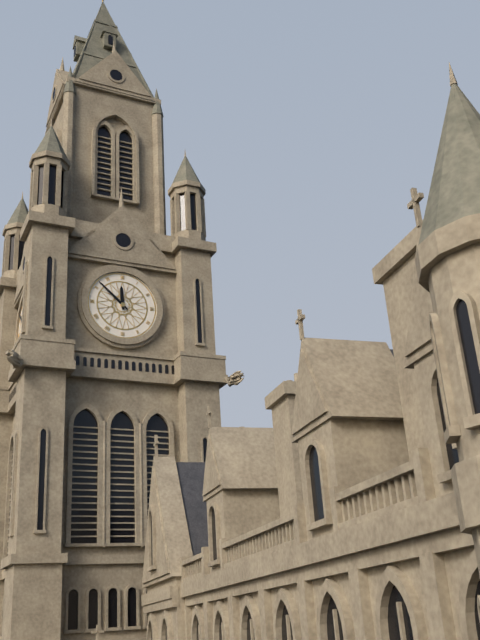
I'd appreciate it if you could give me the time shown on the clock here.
11:52
